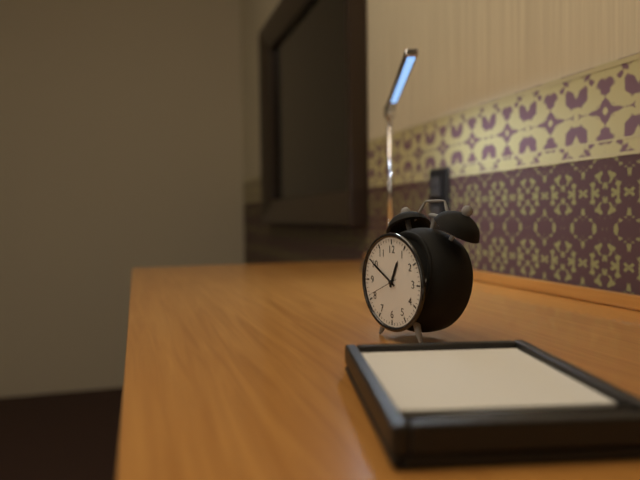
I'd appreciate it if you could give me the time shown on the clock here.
12:50
